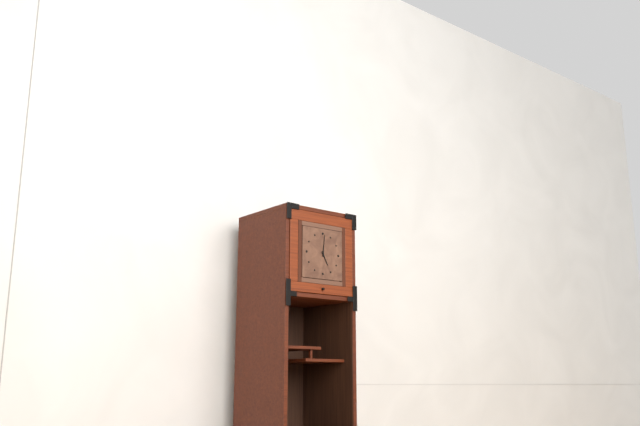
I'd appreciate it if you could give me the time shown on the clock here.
5:01
